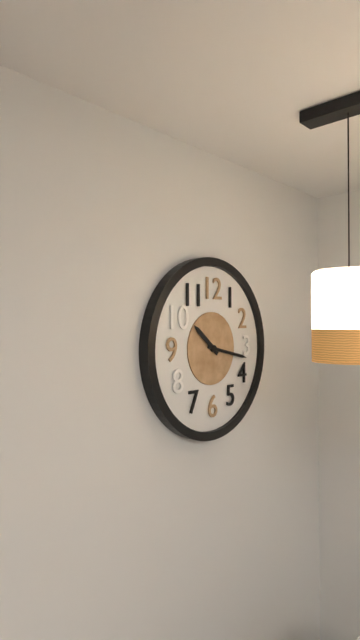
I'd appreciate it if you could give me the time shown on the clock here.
10:17
